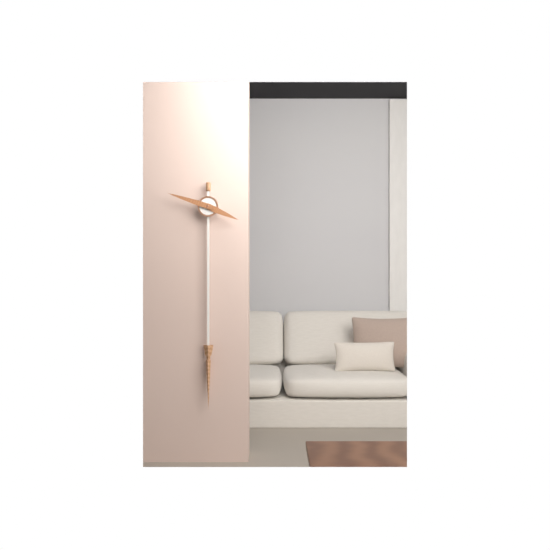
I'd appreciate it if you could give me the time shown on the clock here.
3:48
